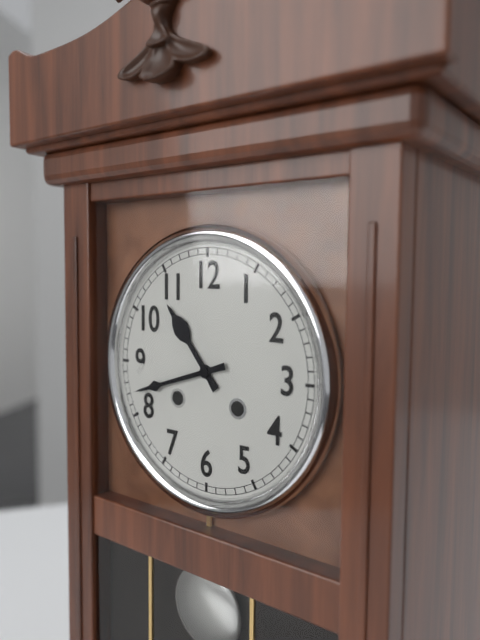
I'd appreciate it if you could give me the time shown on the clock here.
10:42
